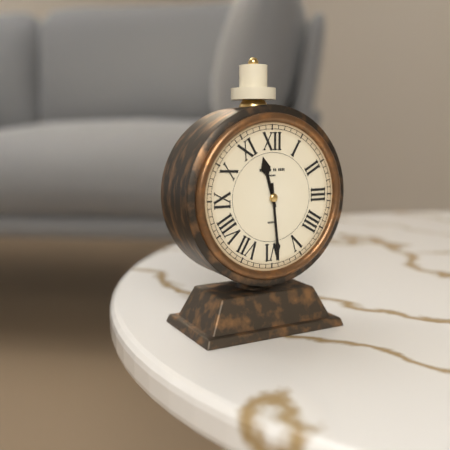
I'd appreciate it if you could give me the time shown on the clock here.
11:29
